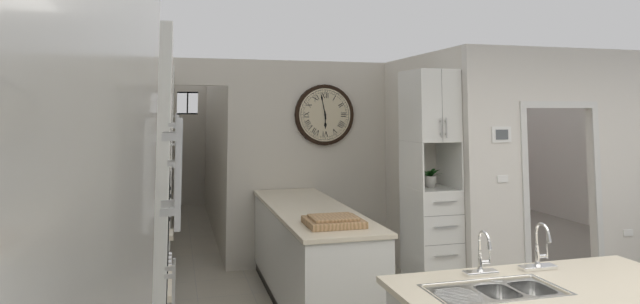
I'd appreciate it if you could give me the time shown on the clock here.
5:58
